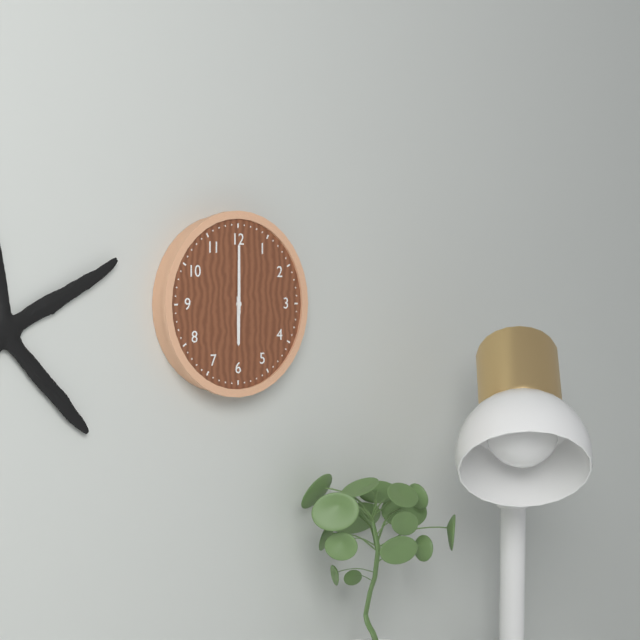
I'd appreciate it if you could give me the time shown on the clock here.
6:00
